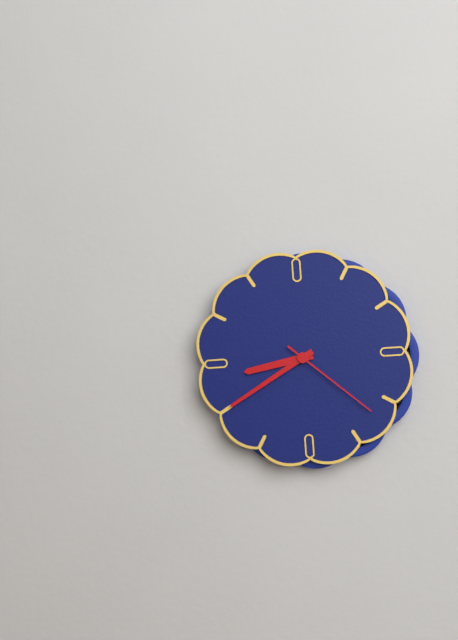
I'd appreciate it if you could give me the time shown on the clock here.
8:40:22
